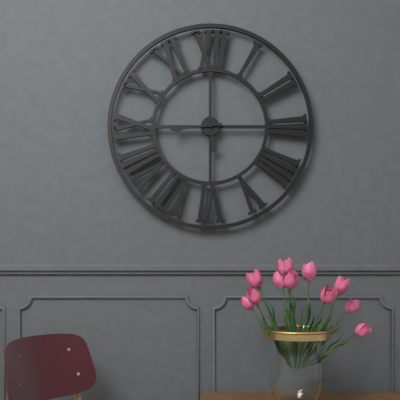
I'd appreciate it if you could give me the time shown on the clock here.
5:44
